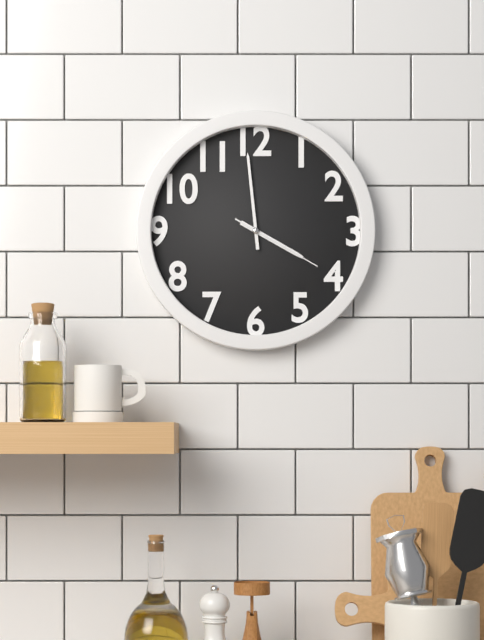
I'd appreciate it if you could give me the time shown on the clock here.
3:59:20
